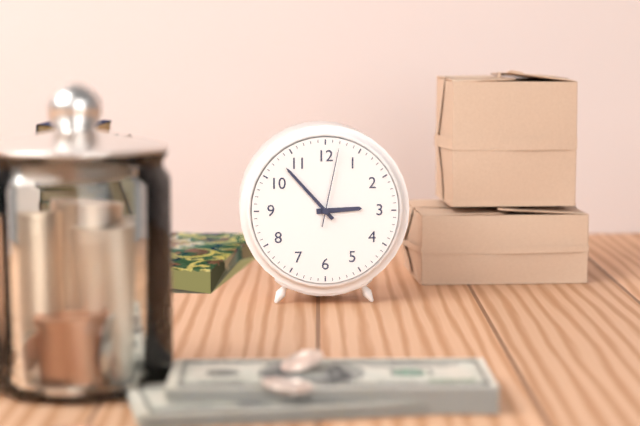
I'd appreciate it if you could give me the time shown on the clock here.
2:53:02
